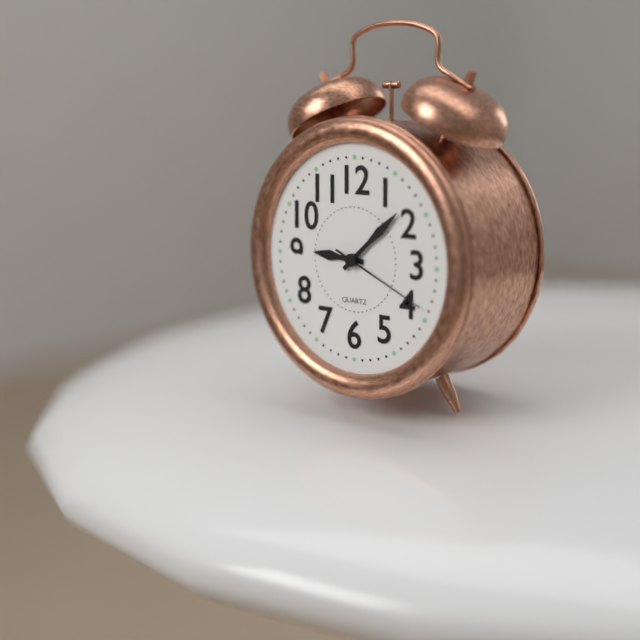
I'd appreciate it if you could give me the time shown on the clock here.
9:08:19
